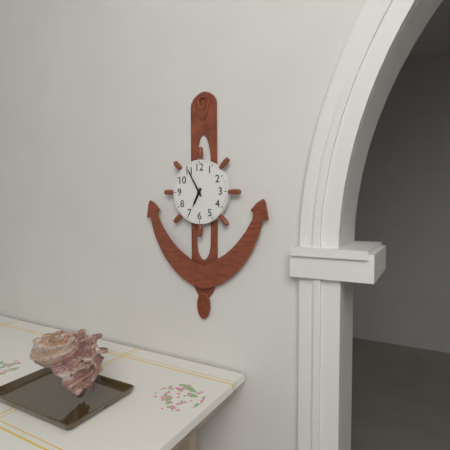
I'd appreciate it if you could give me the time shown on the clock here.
6:55
